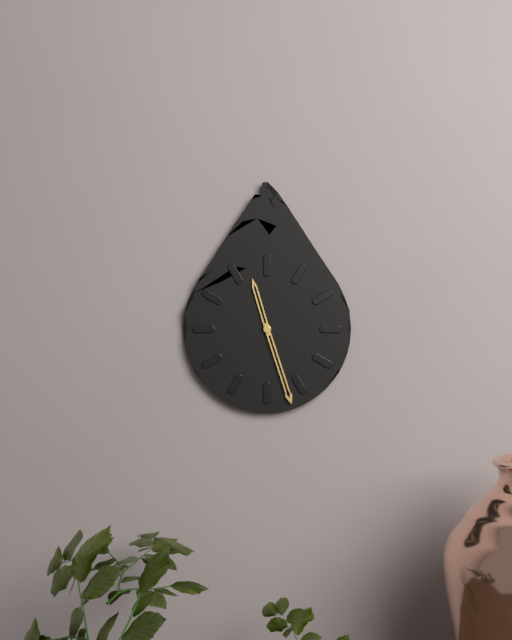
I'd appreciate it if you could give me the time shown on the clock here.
11:27
